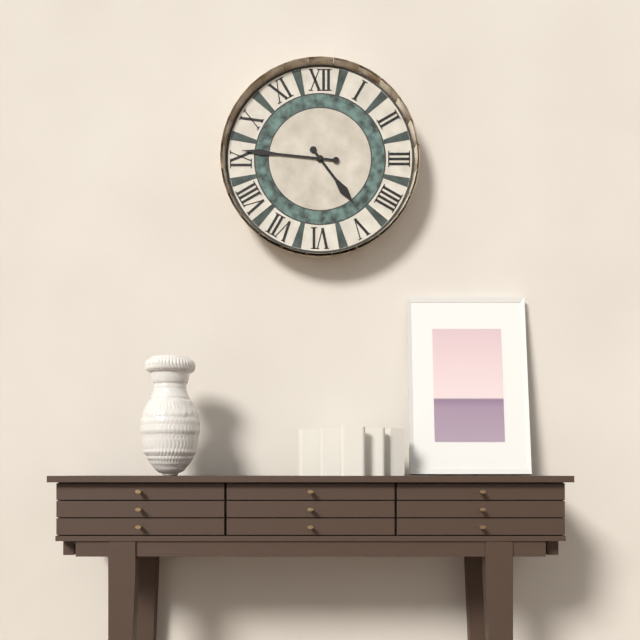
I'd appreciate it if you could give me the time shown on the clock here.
4:46
